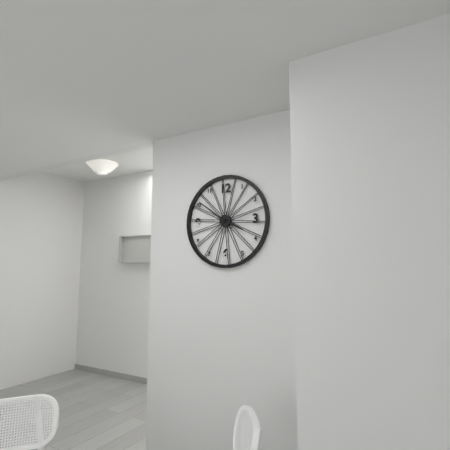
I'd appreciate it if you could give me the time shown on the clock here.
3:51
